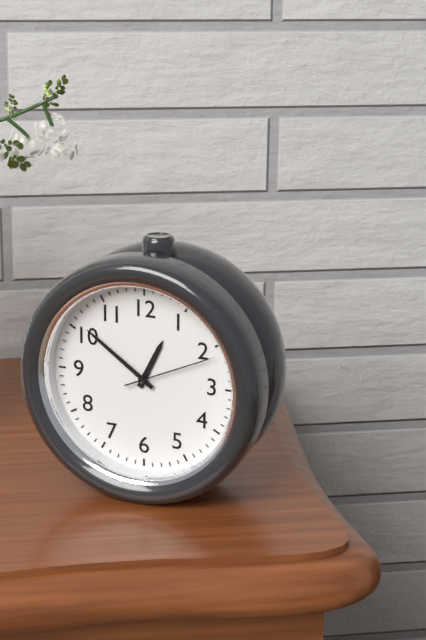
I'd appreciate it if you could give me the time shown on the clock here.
12:51:11
